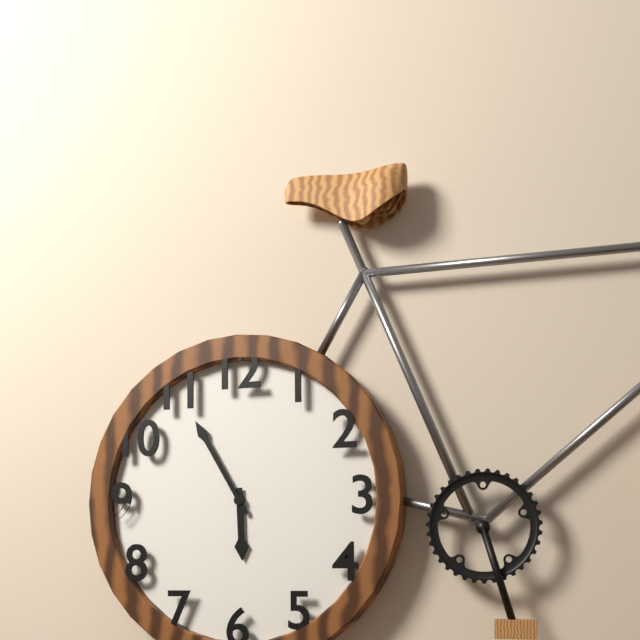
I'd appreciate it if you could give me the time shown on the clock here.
5:55
